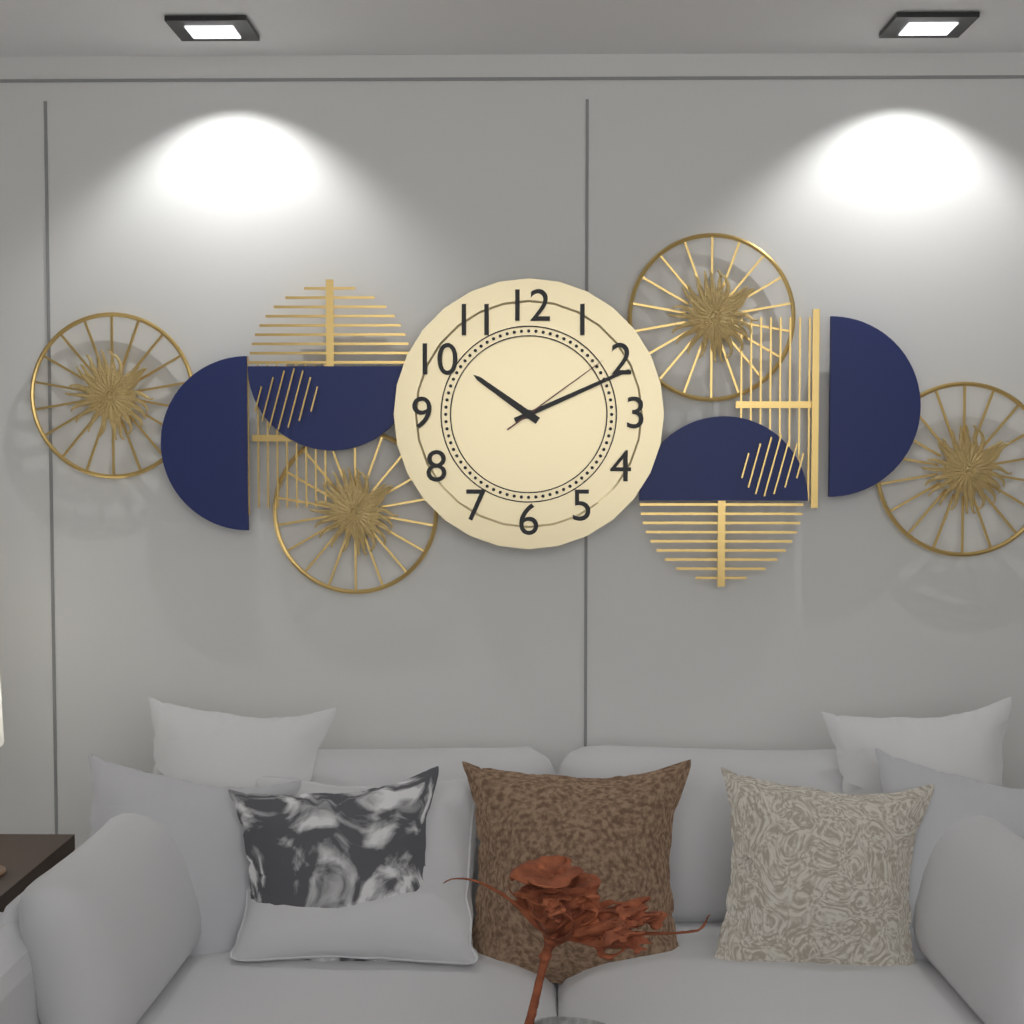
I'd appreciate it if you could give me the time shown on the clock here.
10:11:09
